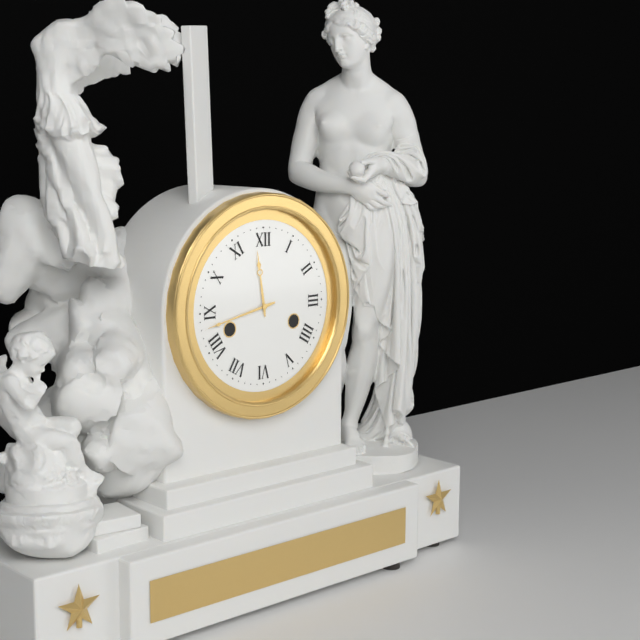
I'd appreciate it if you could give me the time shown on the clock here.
11:43
